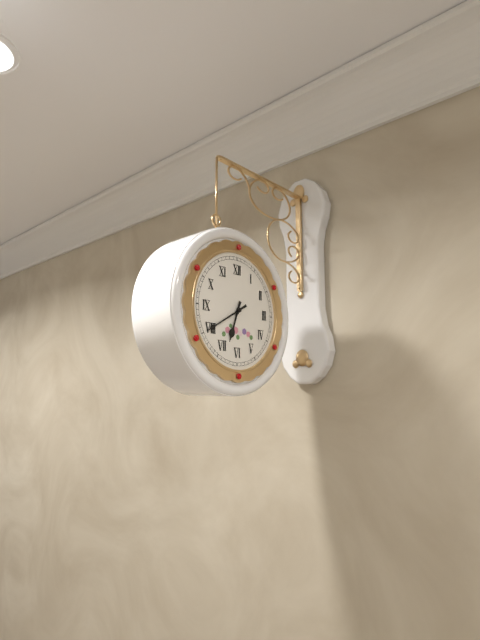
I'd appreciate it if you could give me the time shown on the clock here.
6:40
